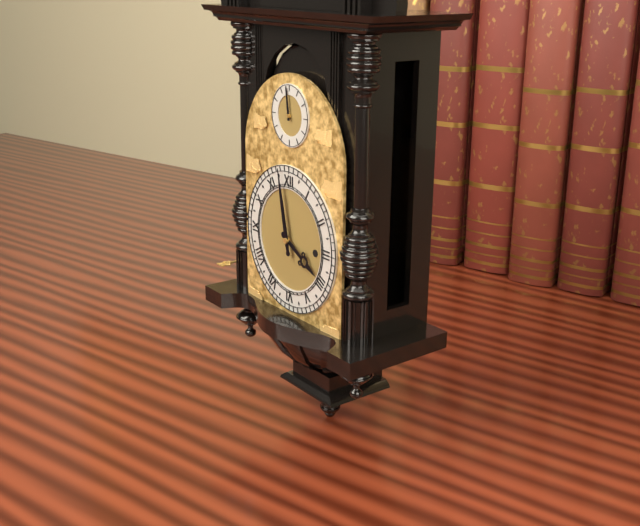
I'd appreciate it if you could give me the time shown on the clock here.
3:58
